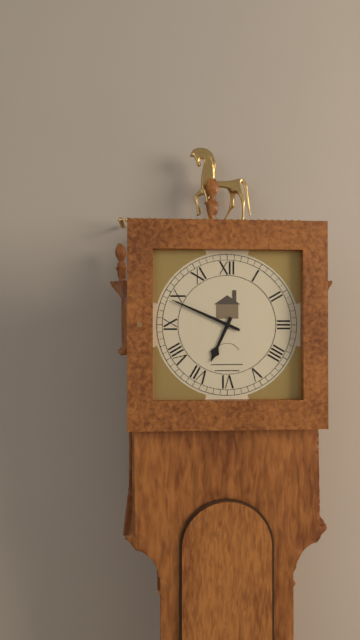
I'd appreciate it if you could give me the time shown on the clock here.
6:49
